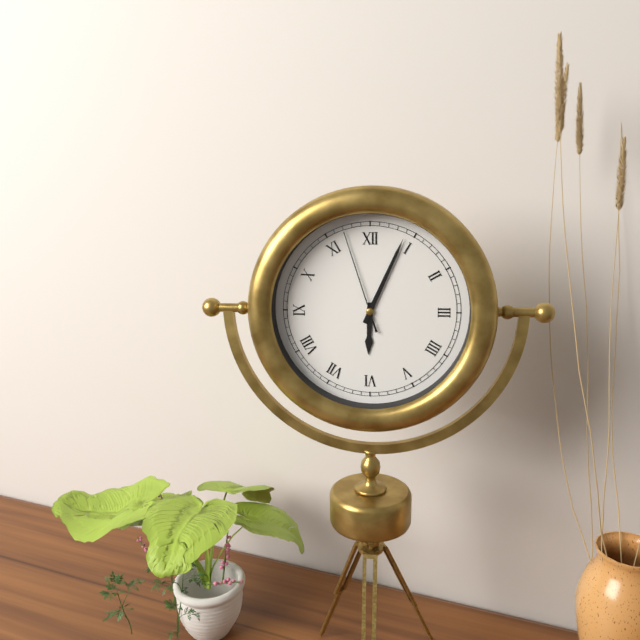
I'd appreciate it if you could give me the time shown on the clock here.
6:04:57
